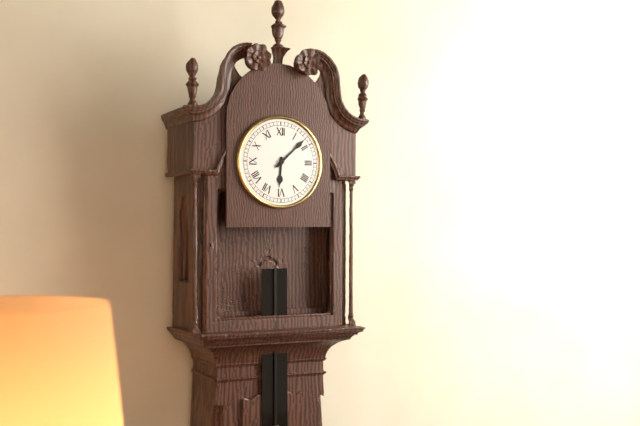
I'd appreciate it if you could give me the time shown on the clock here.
6:08
